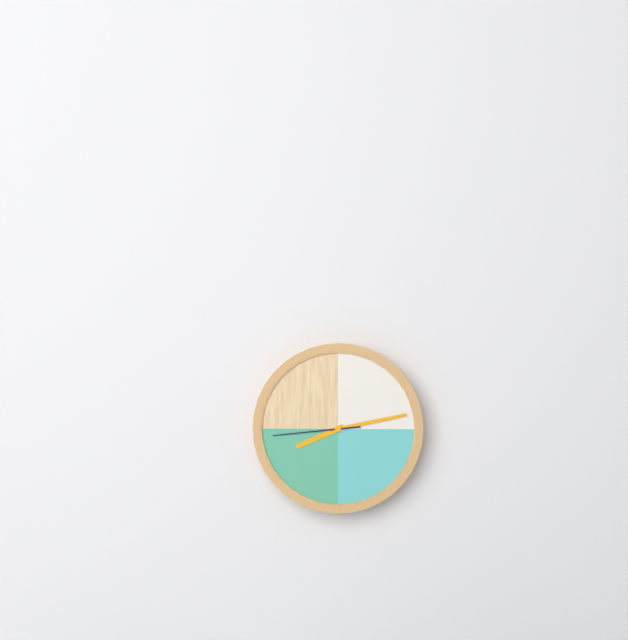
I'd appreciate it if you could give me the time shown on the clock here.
8:13:44
